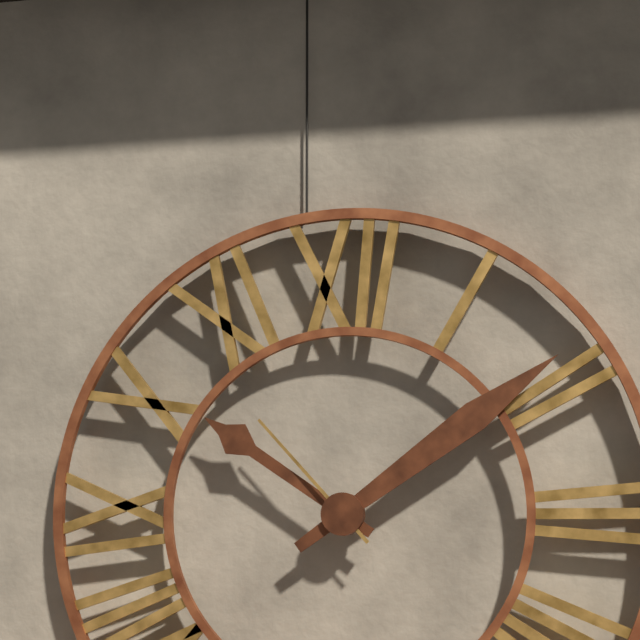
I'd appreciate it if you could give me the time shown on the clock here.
10:09:53
